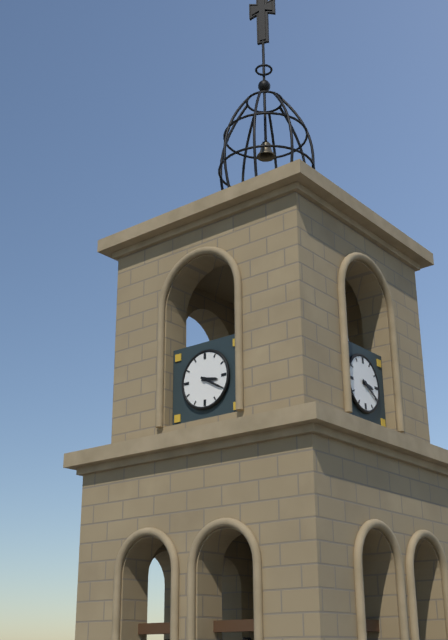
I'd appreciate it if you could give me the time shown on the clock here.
3:20
